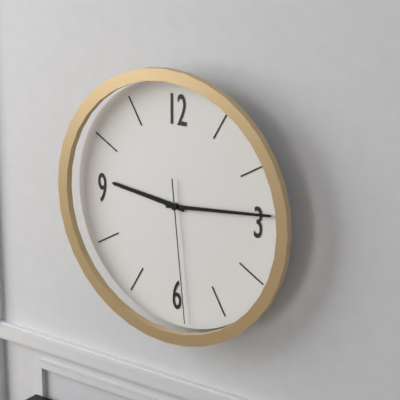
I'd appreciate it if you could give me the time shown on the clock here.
9:14:29
